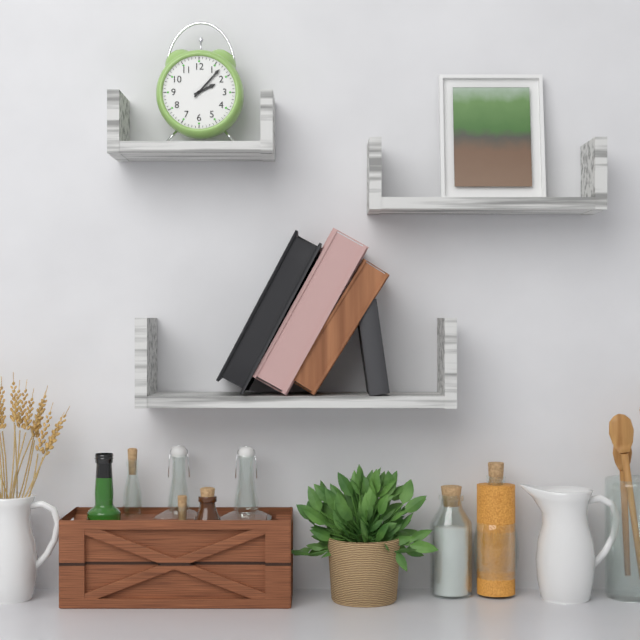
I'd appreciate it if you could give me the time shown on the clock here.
2:07
